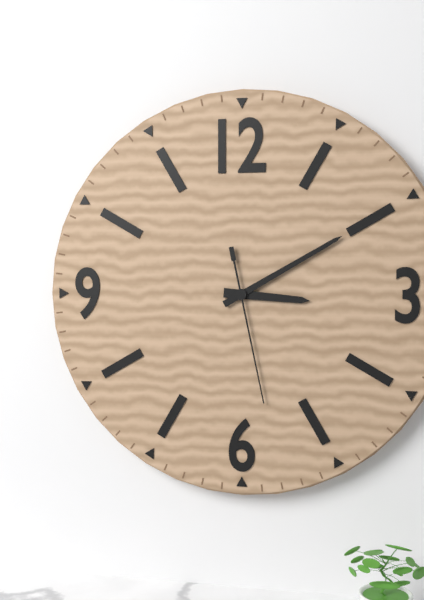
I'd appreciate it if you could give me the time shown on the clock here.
3:10:28
